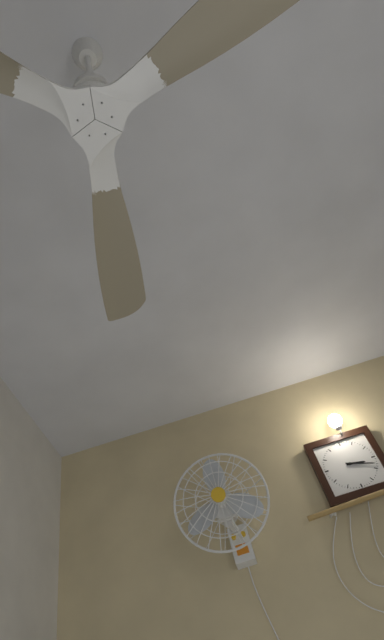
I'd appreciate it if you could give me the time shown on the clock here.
3:18
